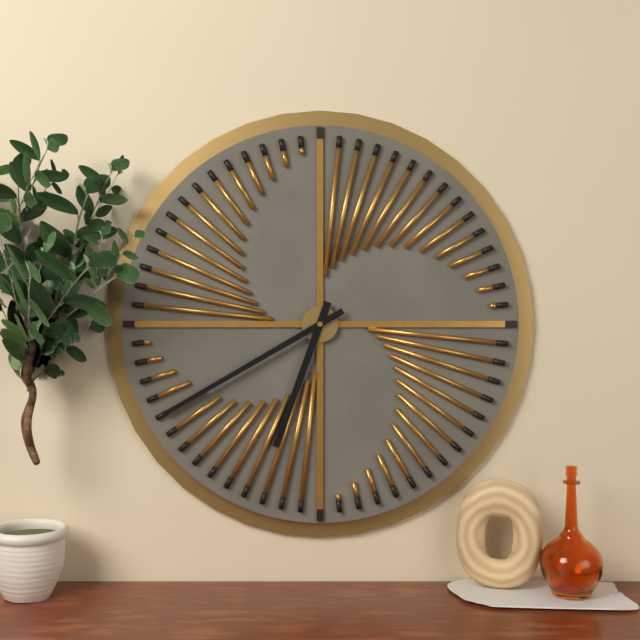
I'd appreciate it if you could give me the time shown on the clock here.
6:40
